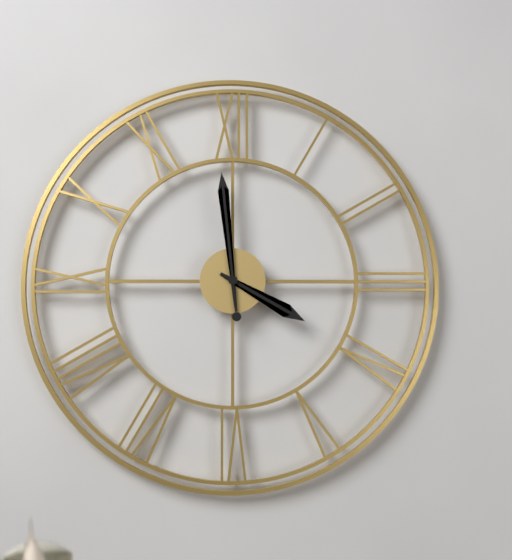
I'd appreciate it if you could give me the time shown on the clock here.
3:59
